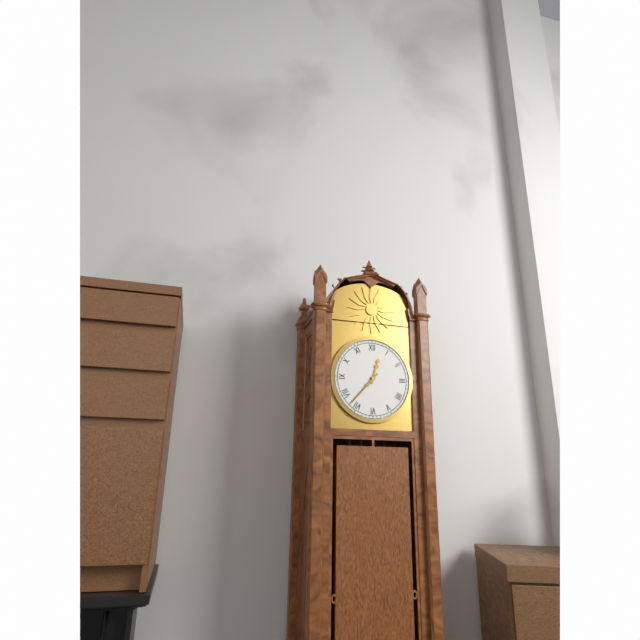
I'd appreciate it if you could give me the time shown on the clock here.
12:37
